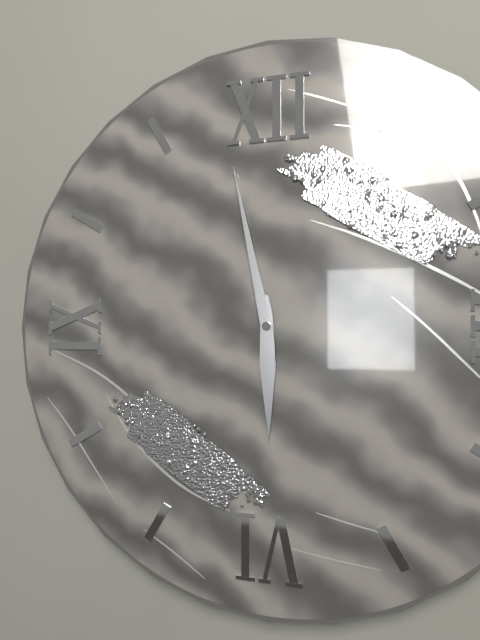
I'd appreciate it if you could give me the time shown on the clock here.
5:58
